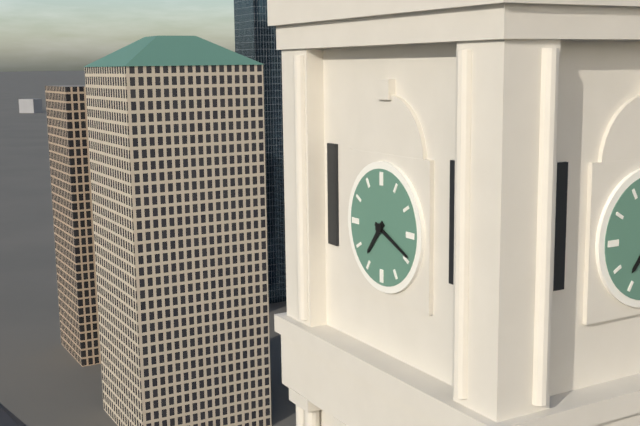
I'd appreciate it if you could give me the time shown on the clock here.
7:19
